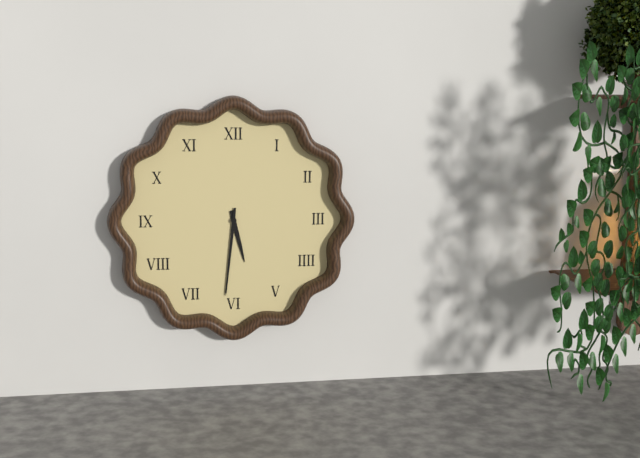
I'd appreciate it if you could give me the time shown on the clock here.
5:31
